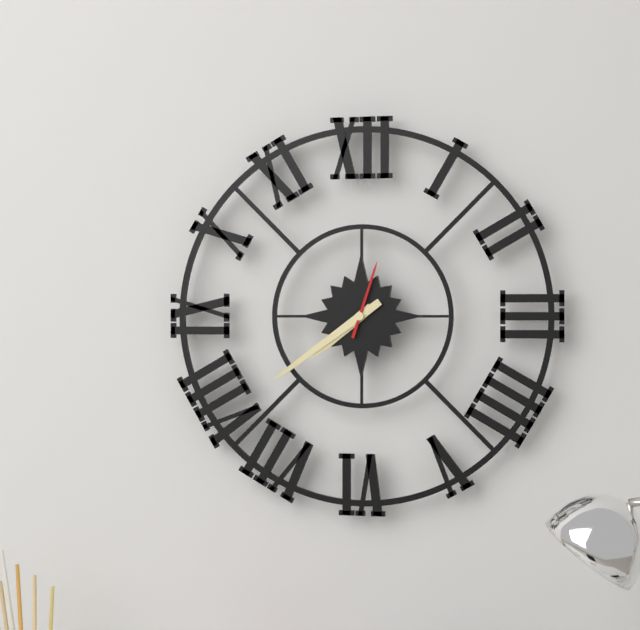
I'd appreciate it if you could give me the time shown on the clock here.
7:39:03
